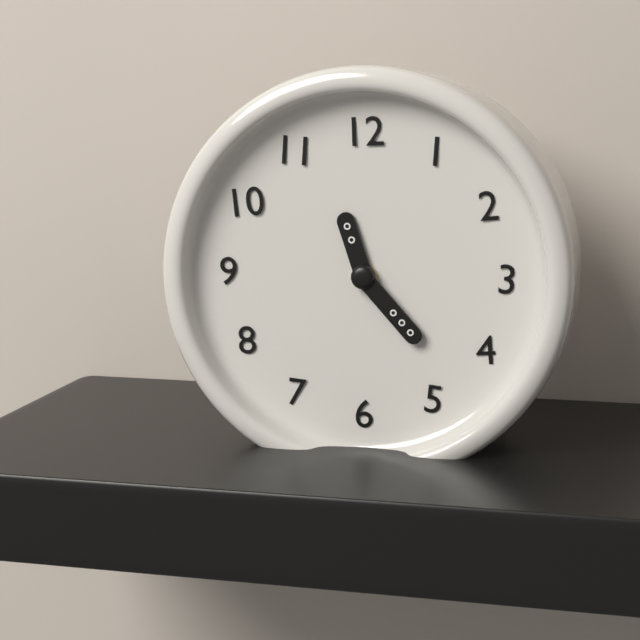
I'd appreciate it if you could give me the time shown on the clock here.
11:23
